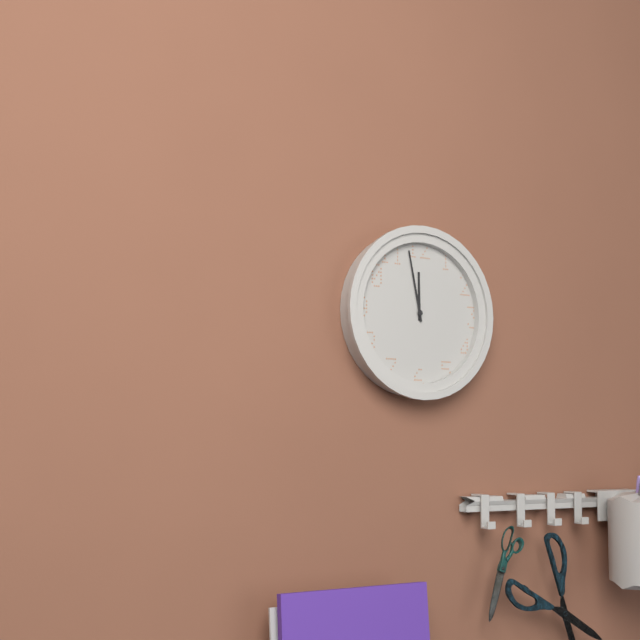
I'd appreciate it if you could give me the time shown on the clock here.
11:58
